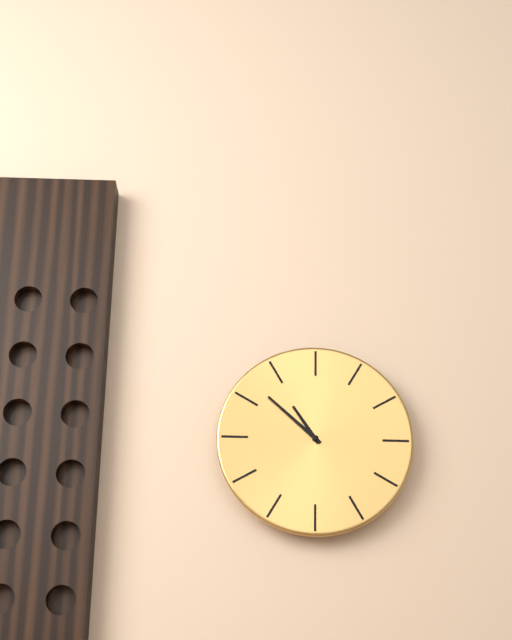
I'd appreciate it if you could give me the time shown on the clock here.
10:52
